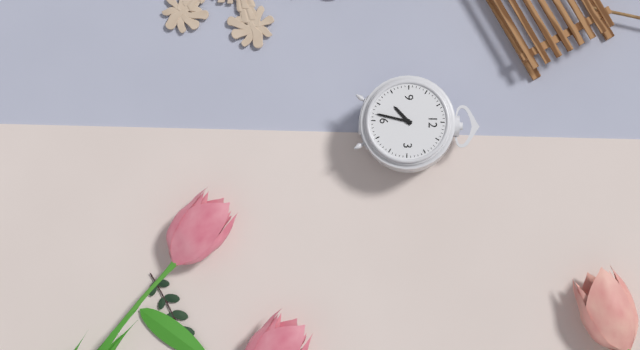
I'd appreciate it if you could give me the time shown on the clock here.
7:32
